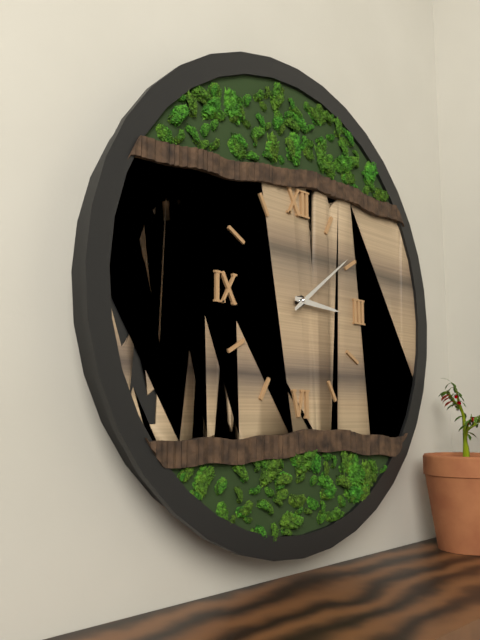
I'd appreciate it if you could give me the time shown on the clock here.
3:09
